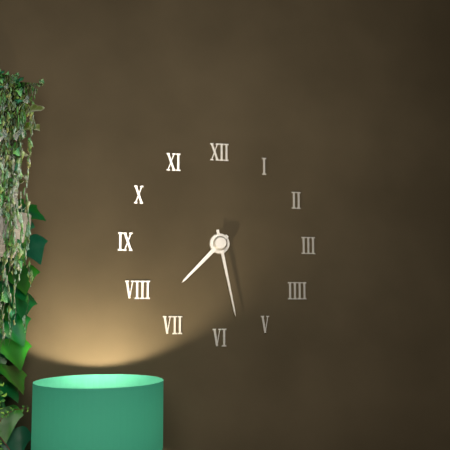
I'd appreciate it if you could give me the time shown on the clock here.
7:28
